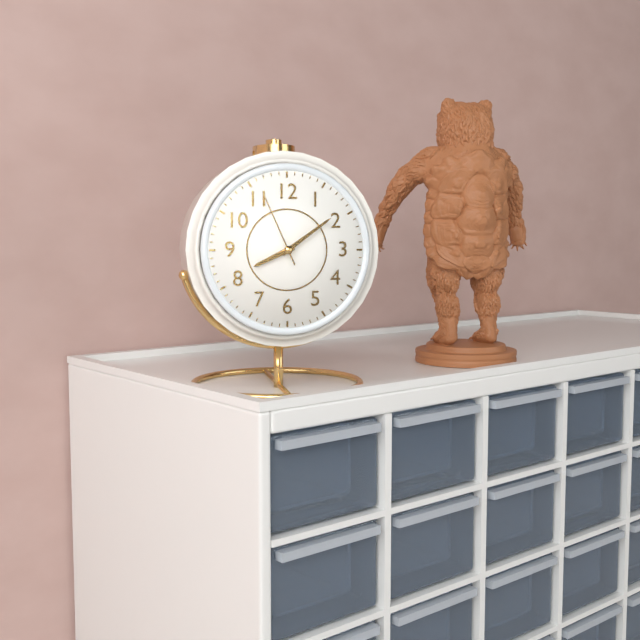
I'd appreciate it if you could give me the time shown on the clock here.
8:09:56
